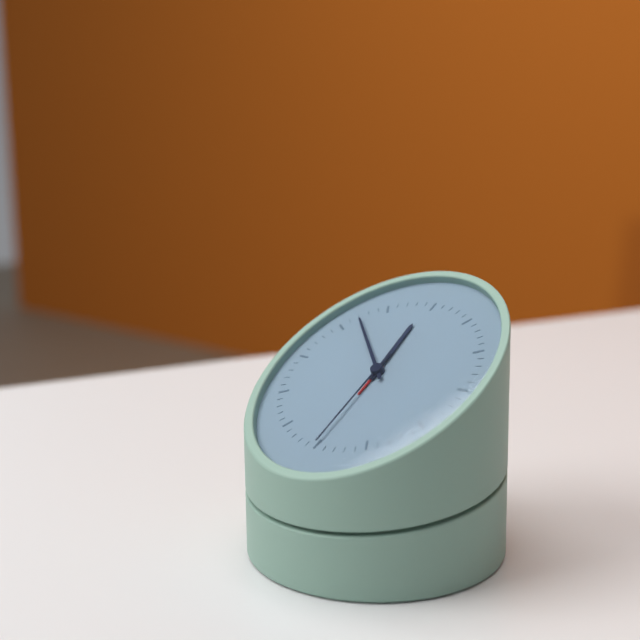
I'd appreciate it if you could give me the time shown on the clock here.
11:52:30
